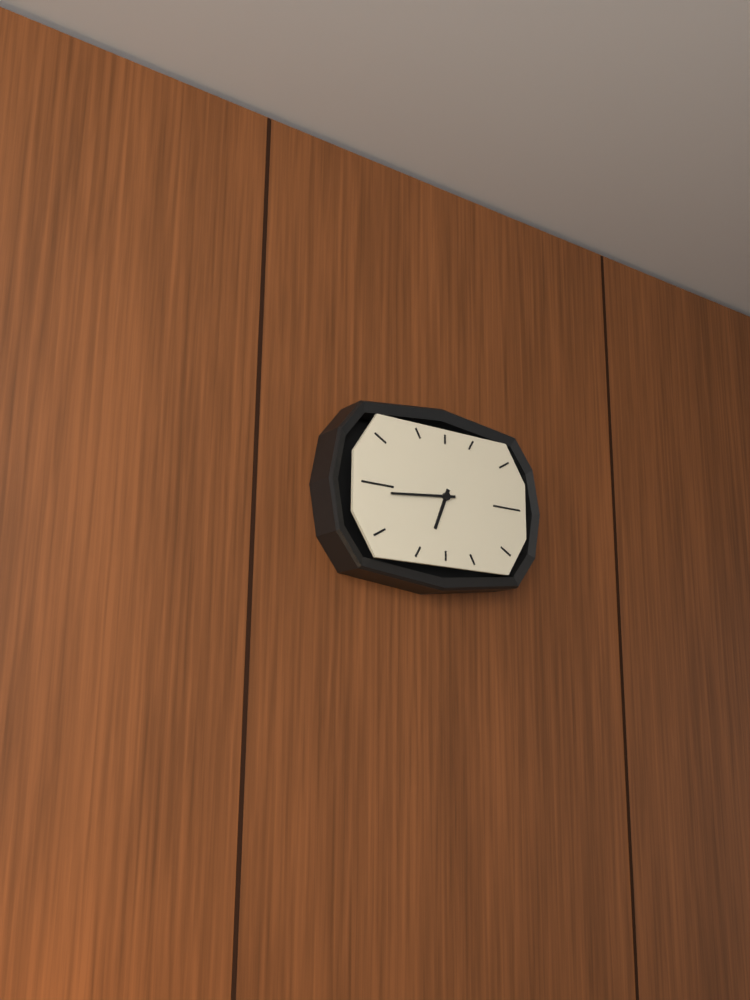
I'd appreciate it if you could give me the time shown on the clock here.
6:44
